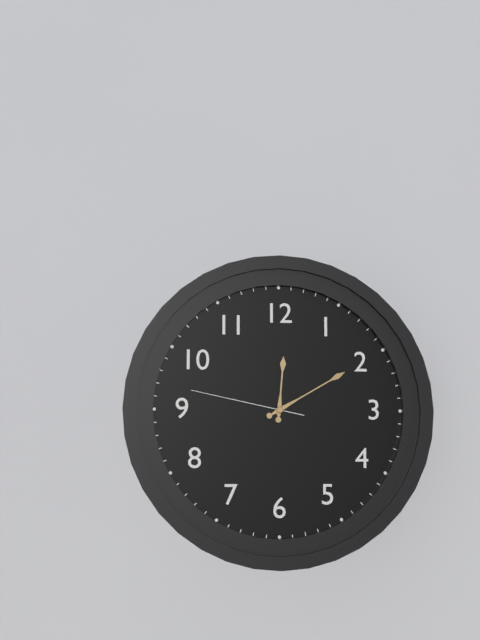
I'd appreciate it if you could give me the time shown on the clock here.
12:10:47
